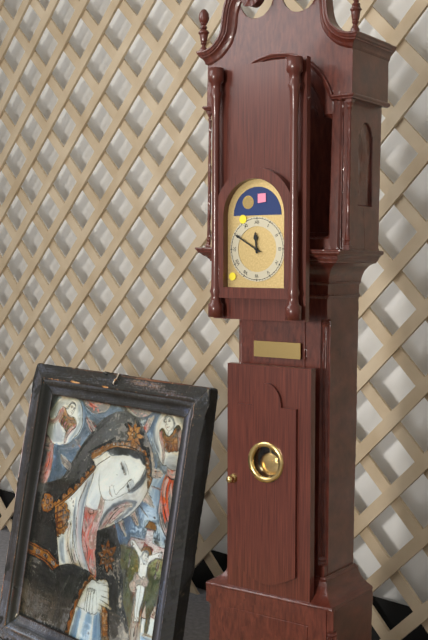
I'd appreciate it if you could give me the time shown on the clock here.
11:50
